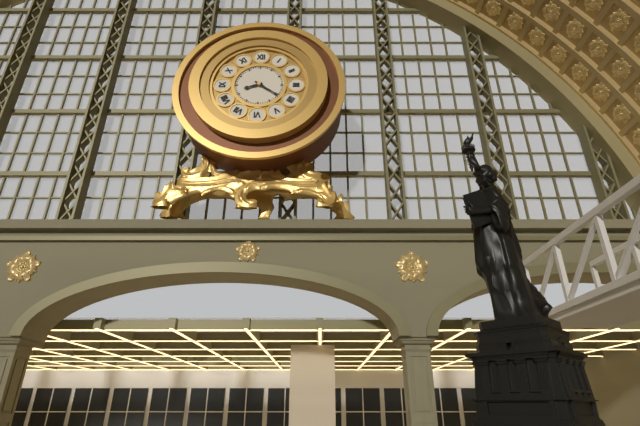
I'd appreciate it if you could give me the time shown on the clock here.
8:21
